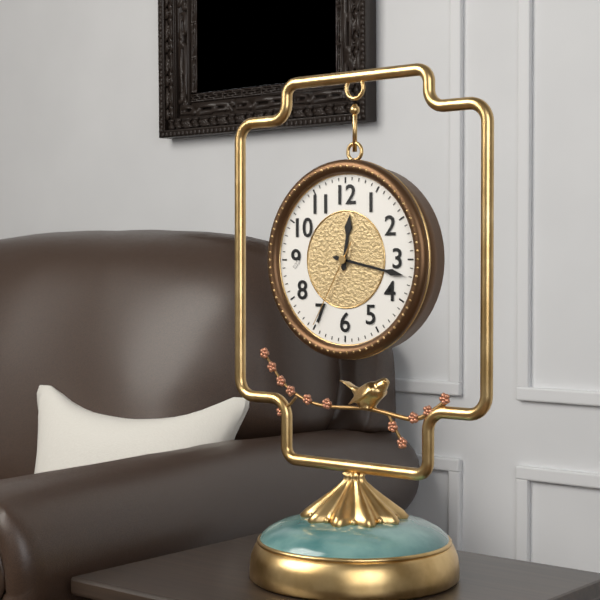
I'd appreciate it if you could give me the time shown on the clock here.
12:17:35
